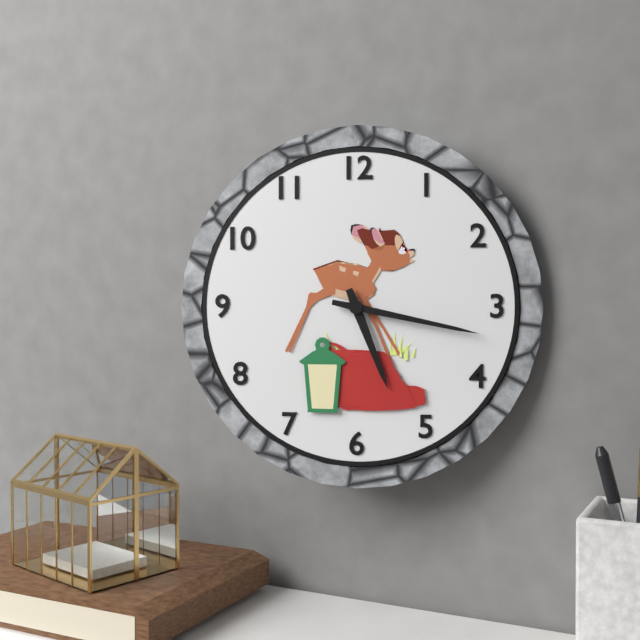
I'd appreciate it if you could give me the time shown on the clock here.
5:17
